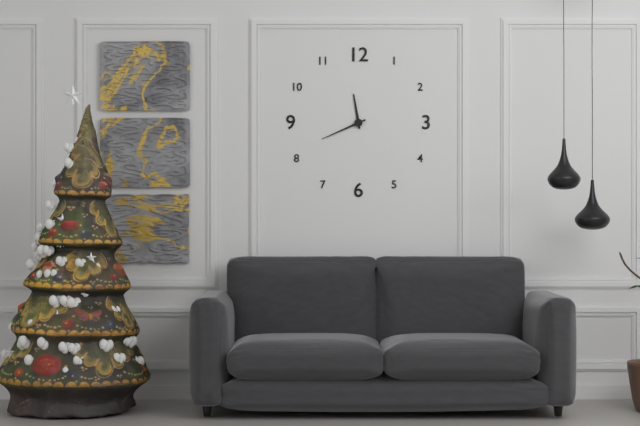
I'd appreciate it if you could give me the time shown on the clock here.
11:41
